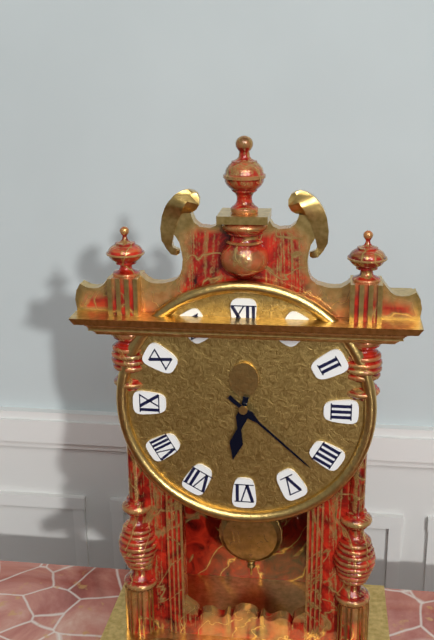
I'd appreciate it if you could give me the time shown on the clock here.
6:22
